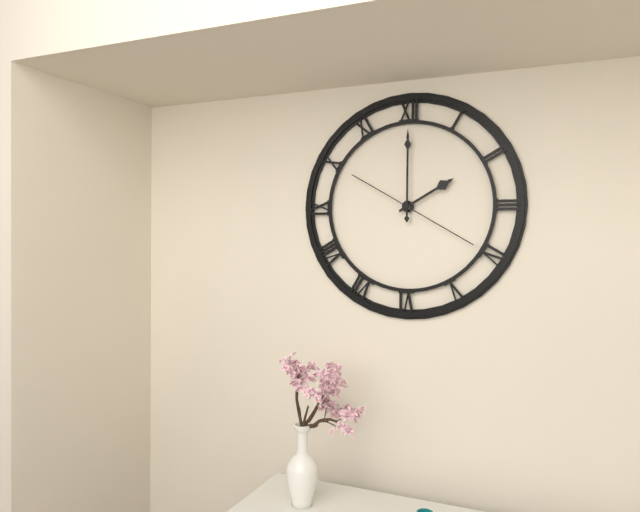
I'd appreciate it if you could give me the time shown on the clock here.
2:00:20
